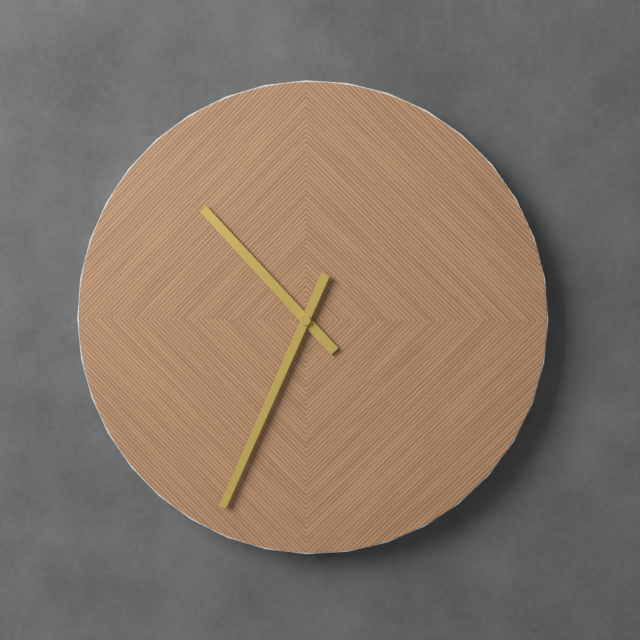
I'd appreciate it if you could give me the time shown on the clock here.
10:34
